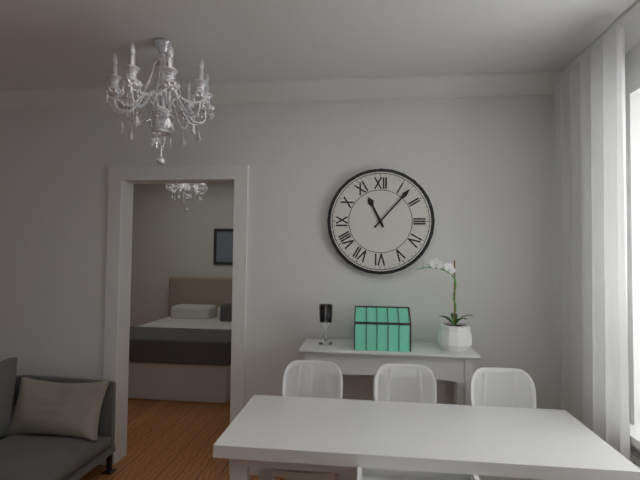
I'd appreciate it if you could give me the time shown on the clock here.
11:07
